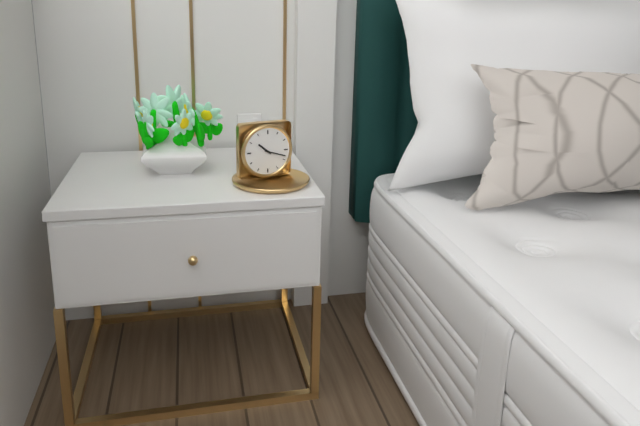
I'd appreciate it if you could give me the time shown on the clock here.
10:18
